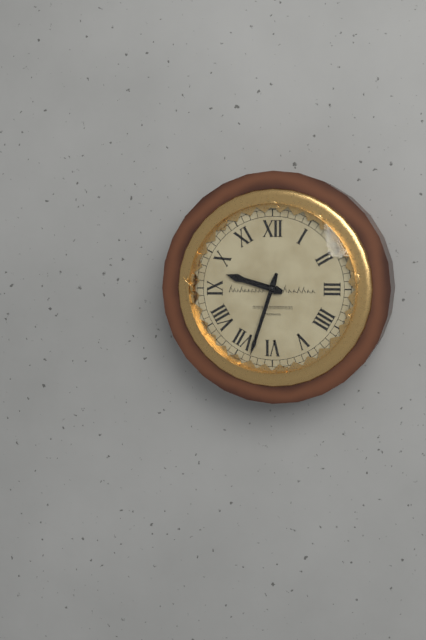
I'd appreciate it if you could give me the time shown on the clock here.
9:33
